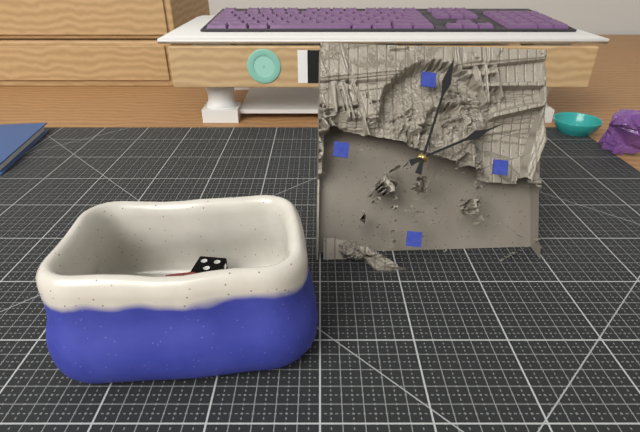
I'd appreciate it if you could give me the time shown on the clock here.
2:02
